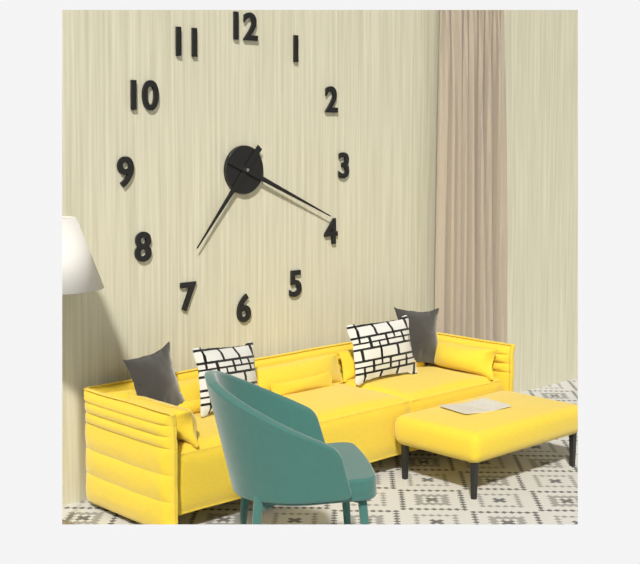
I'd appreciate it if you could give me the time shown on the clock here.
7:19
